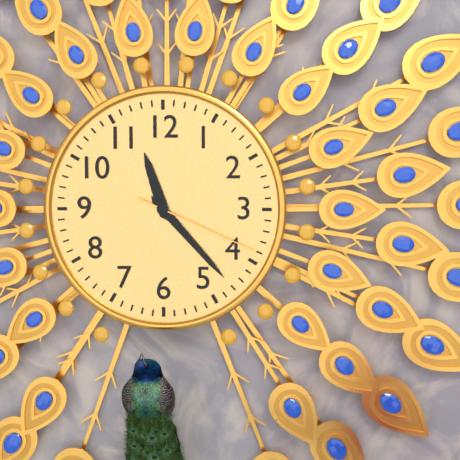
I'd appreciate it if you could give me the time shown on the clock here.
11:23:19
